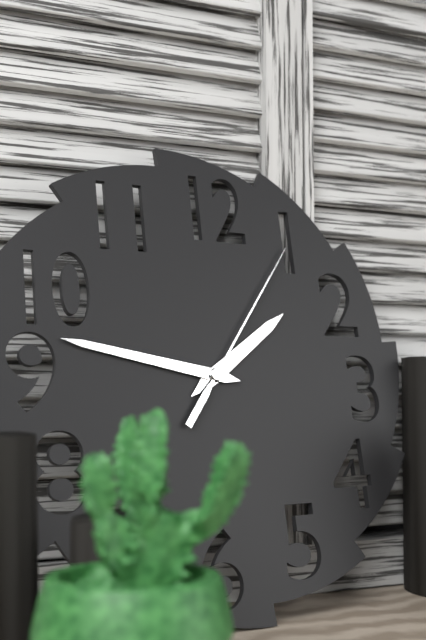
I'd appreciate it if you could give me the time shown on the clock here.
1:47:06
